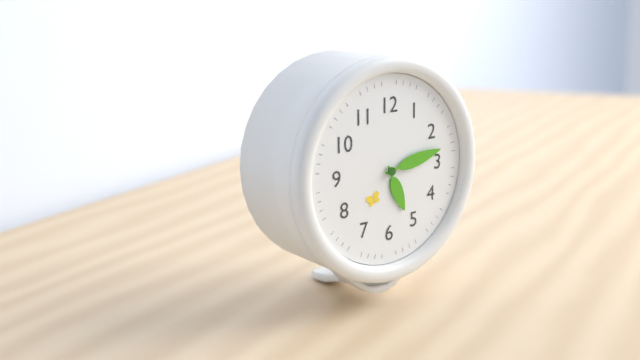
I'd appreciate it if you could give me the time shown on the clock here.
5:13
